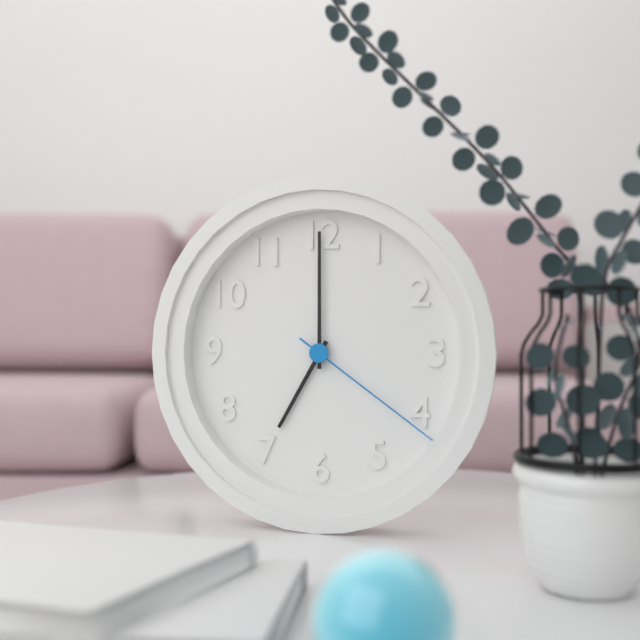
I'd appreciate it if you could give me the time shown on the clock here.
7:00:21
